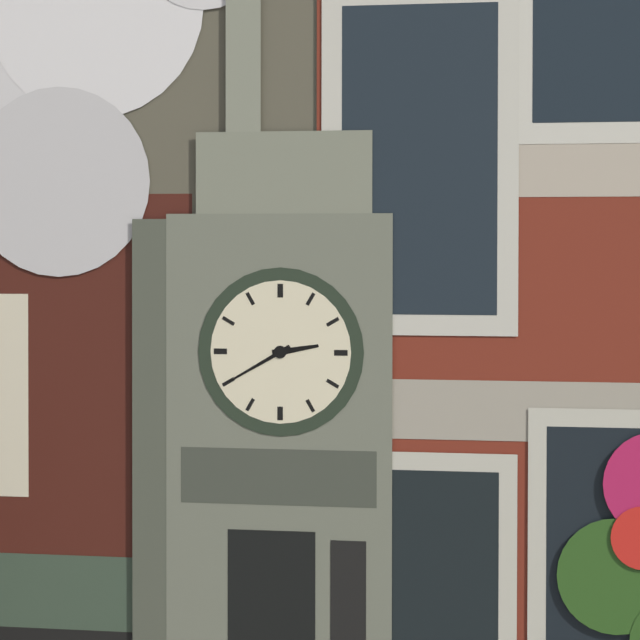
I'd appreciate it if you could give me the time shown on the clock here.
2:40
